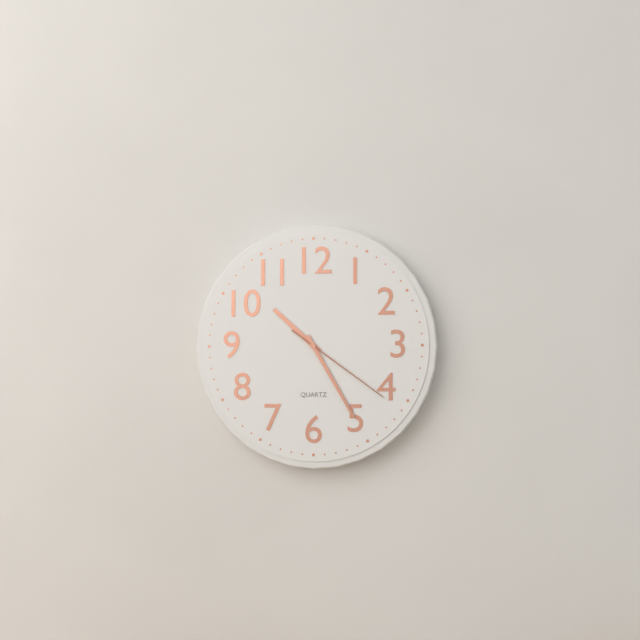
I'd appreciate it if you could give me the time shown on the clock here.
10:25:21
